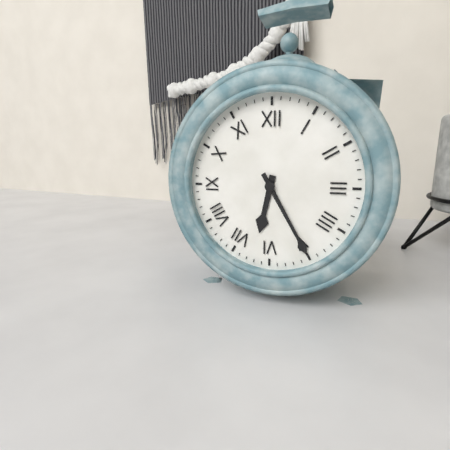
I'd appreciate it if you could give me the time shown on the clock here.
6:25
